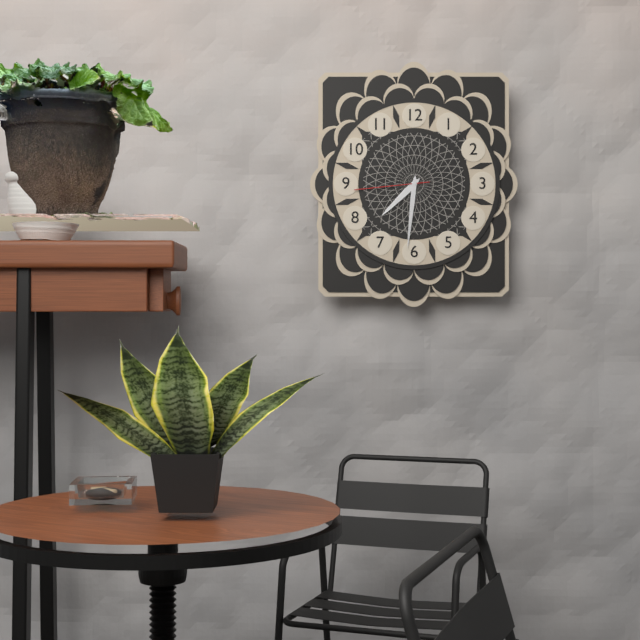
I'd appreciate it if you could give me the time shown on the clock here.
7:31:44
